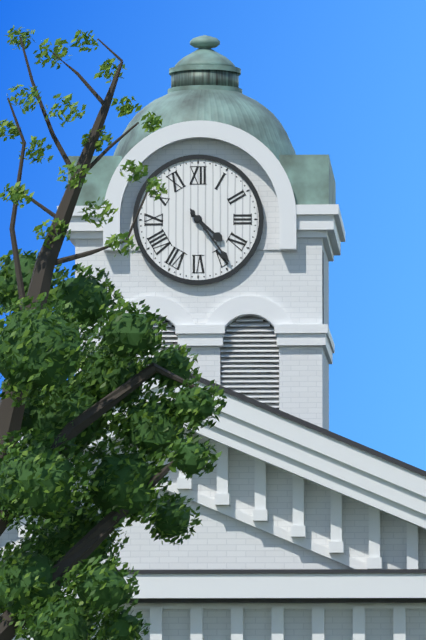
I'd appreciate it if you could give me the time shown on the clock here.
4:24
